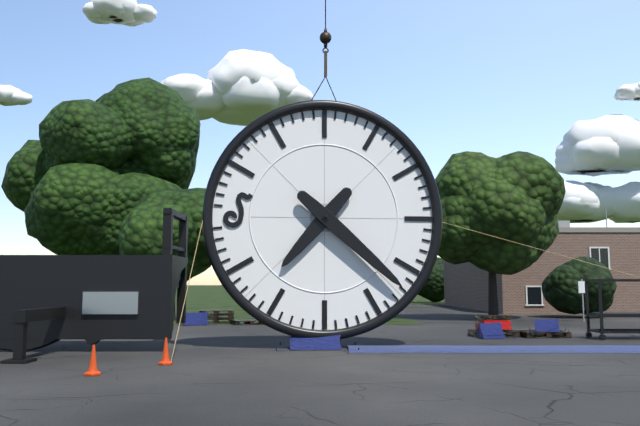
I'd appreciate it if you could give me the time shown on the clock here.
7:22
